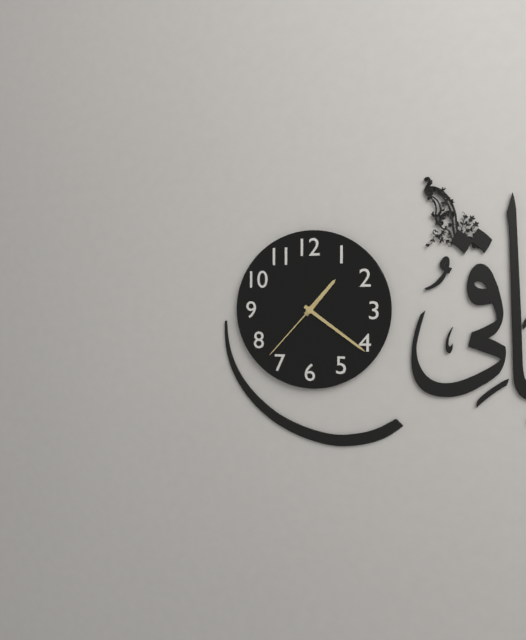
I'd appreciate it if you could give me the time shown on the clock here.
1:21:37
